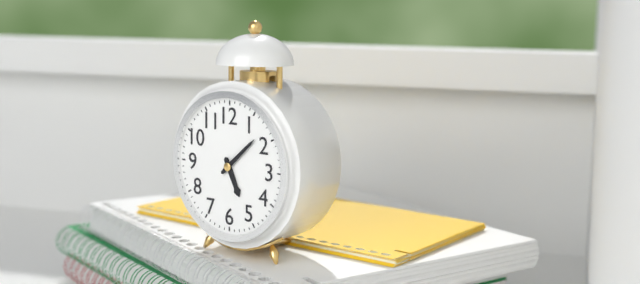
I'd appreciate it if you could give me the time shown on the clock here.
5:08
